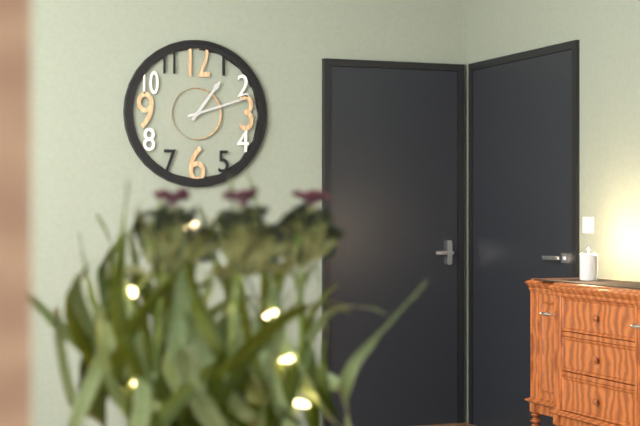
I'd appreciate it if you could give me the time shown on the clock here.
1:12
